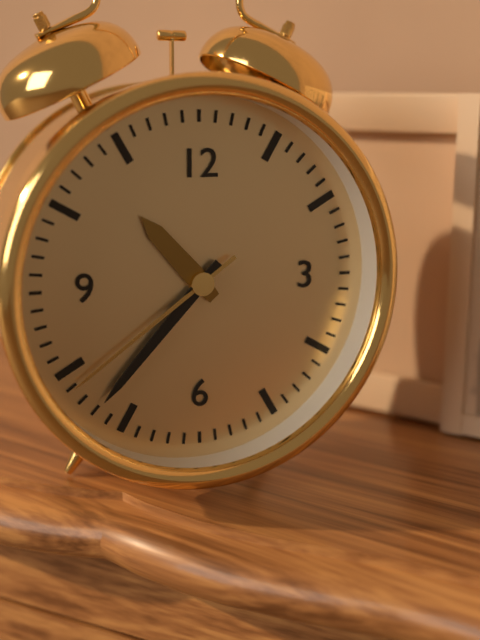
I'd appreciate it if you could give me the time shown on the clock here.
10:37:39
